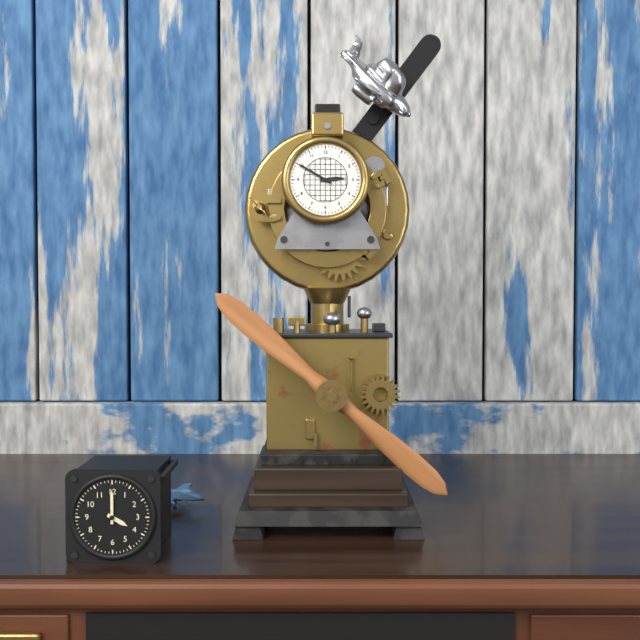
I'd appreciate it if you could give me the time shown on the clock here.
2:50
